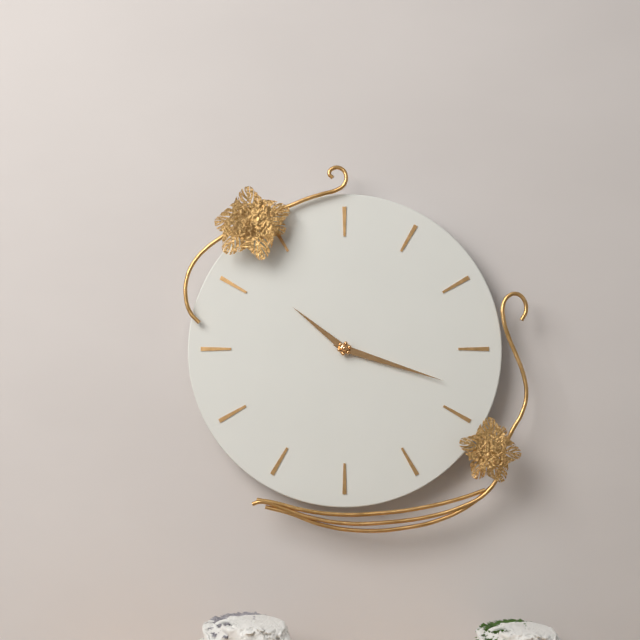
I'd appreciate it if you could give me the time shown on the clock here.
10:18
